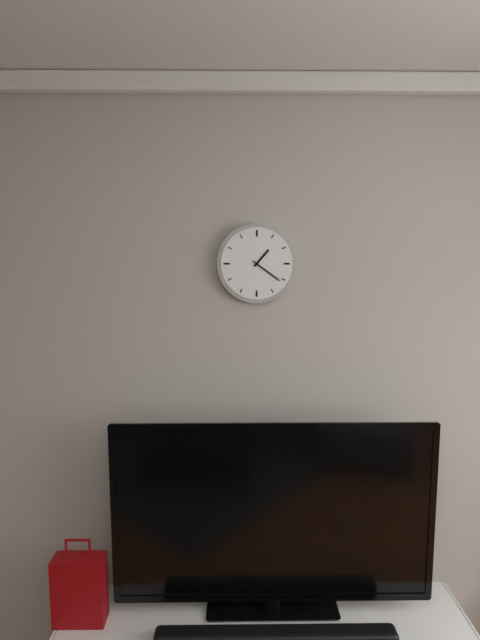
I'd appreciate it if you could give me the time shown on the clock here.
1:21
